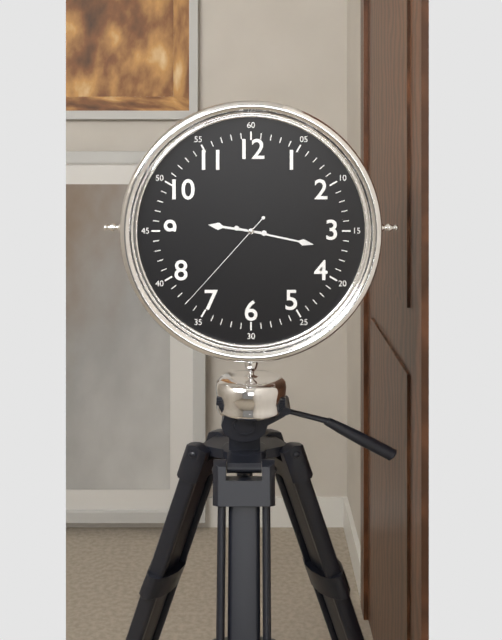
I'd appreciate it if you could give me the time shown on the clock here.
9:17:37
